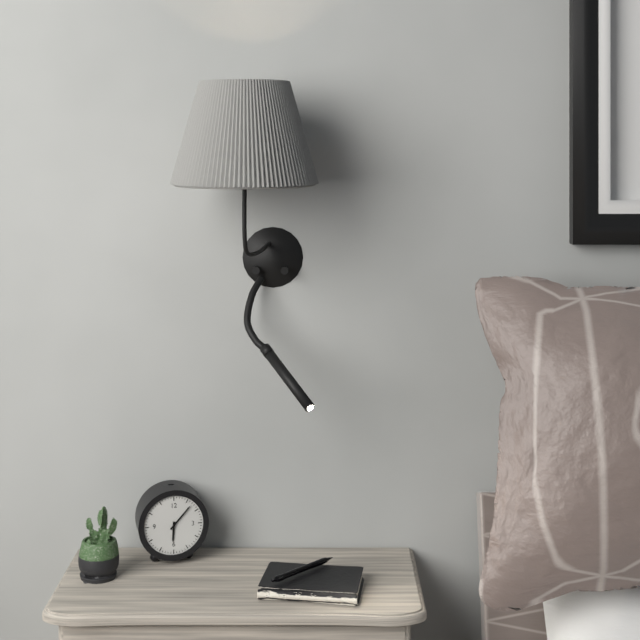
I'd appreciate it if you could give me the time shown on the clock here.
6:07
